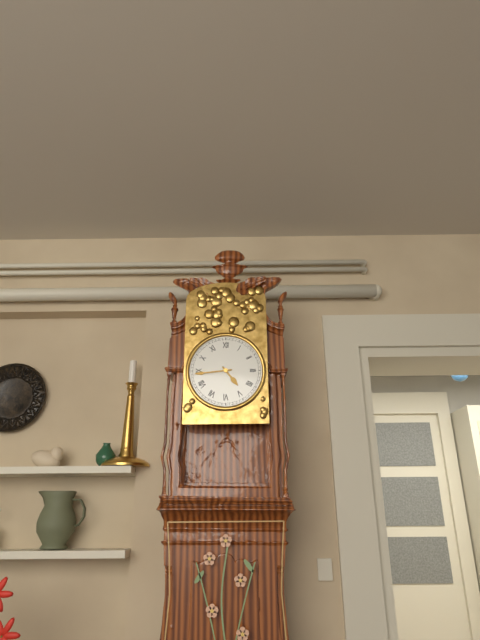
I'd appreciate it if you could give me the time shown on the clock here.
4:44
